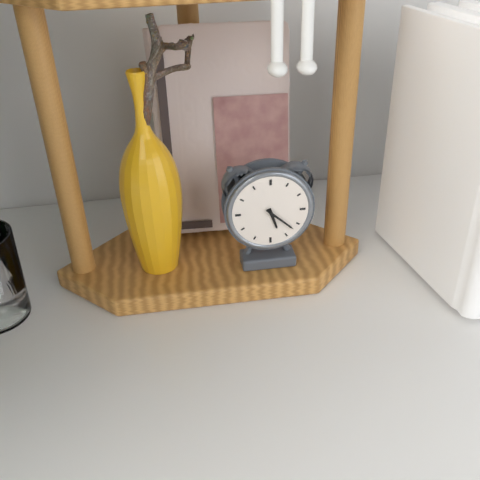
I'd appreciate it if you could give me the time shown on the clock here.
5:22
